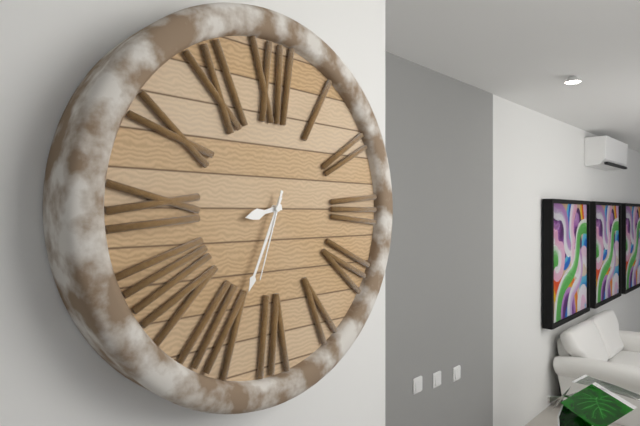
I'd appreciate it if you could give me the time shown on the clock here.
8:34:33
